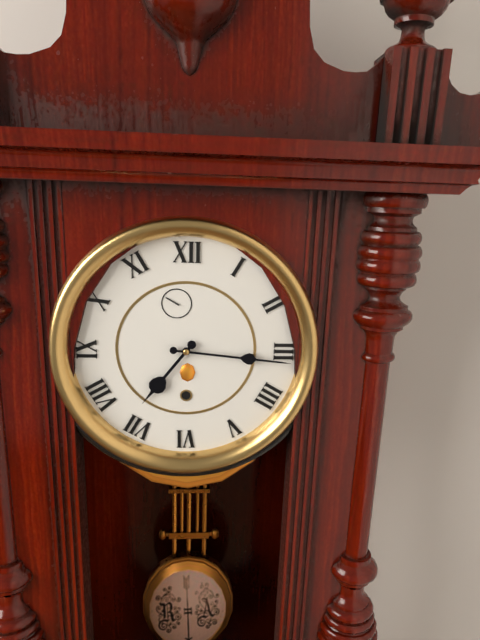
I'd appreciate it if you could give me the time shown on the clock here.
7:16
